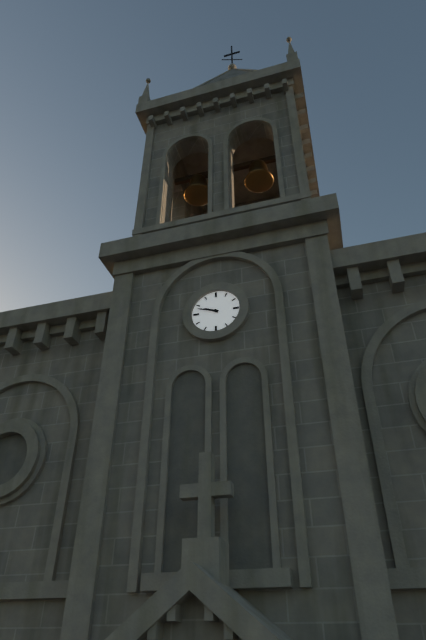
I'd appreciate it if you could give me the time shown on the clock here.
9:48
